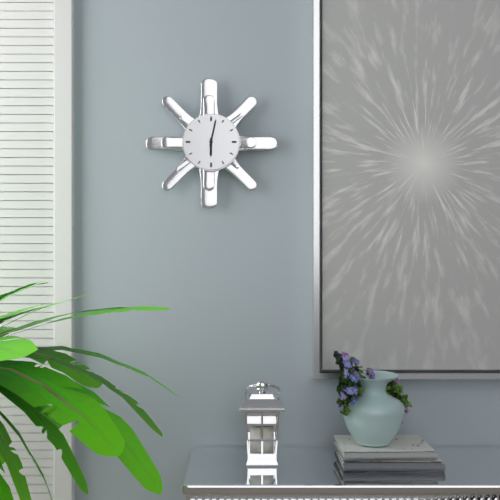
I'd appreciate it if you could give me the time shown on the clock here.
6:02
